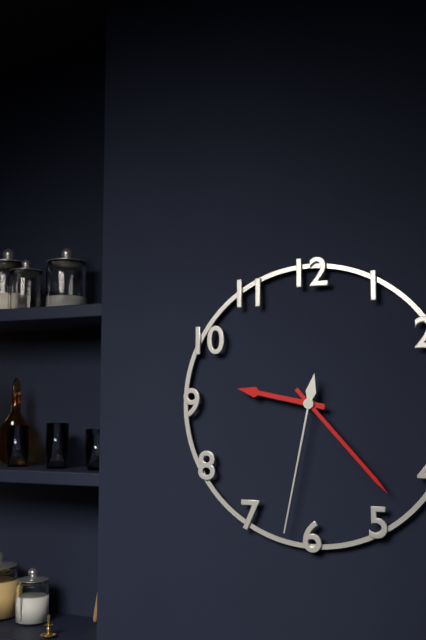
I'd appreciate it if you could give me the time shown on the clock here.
9:23:32
